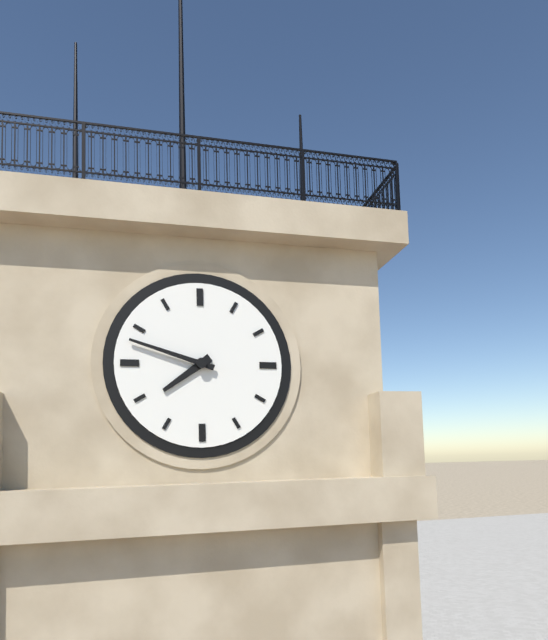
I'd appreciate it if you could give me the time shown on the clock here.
7:48
